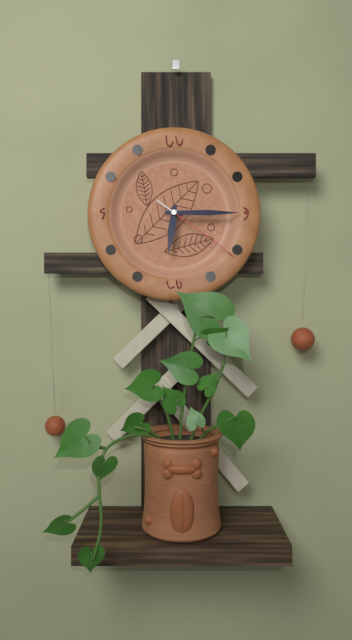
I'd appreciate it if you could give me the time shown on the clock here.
6:15:21
